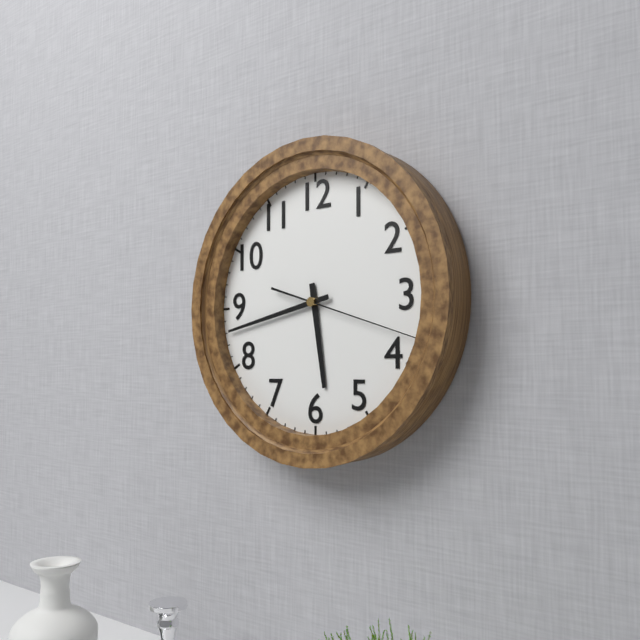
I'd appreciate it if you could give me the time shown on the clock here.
5:43:18
